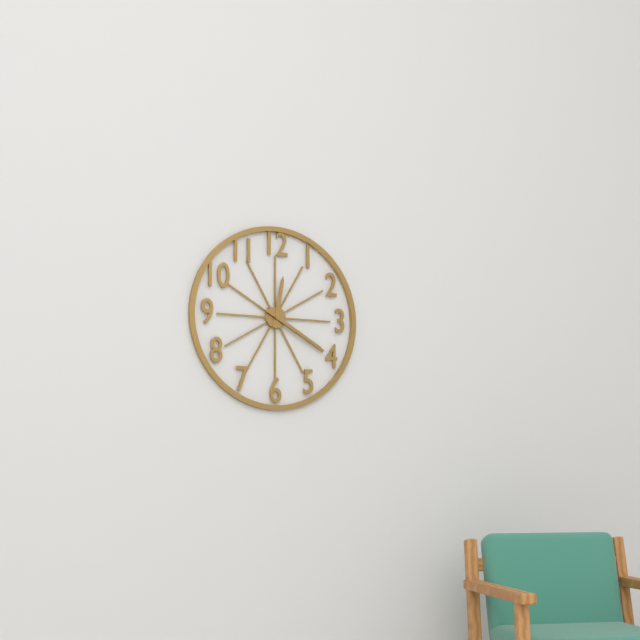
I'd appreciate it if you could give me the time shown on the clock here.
12:20
